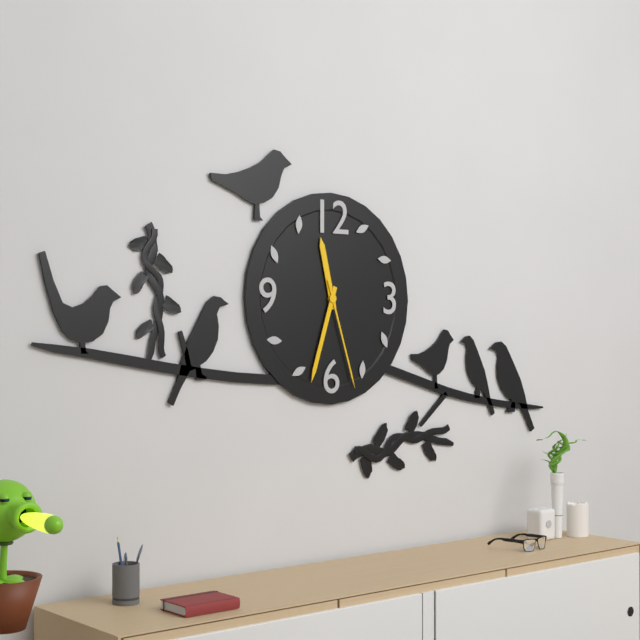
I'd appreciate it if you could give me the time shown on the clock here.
11:33:27
